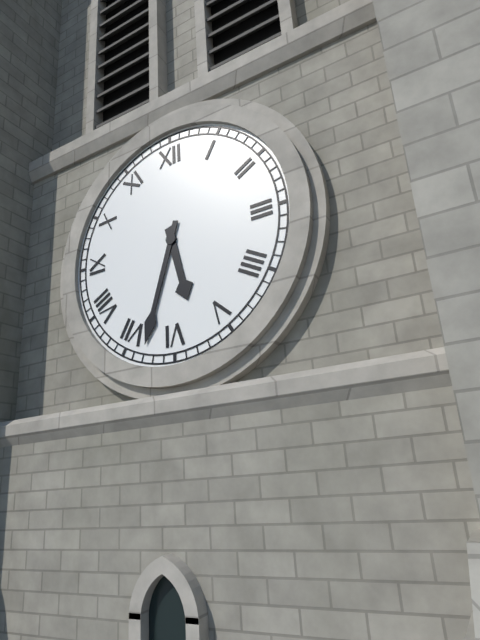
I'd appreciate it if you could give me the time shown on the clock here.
5:33
